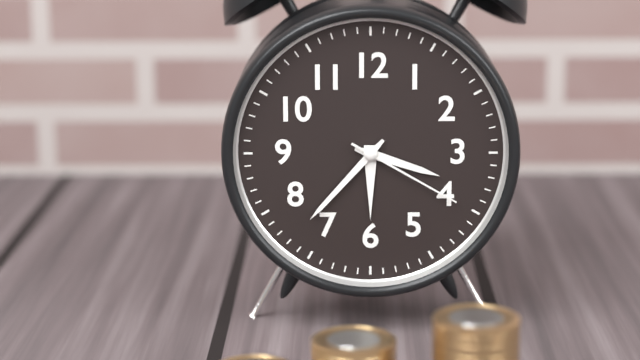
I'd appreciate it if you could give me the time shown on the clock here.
3:37:20
